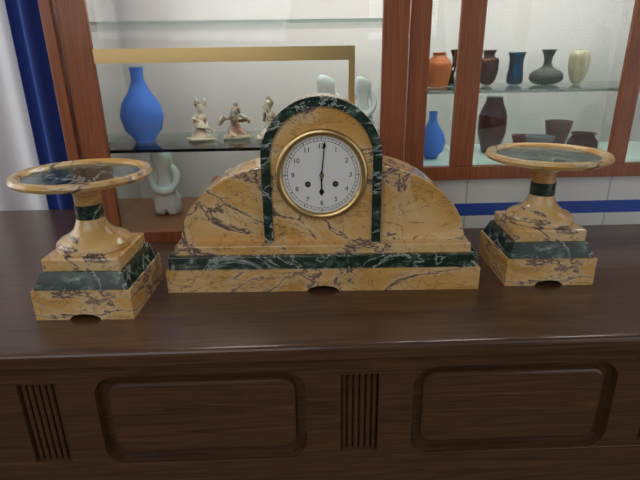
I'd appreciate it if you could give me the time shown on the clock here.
6:01
